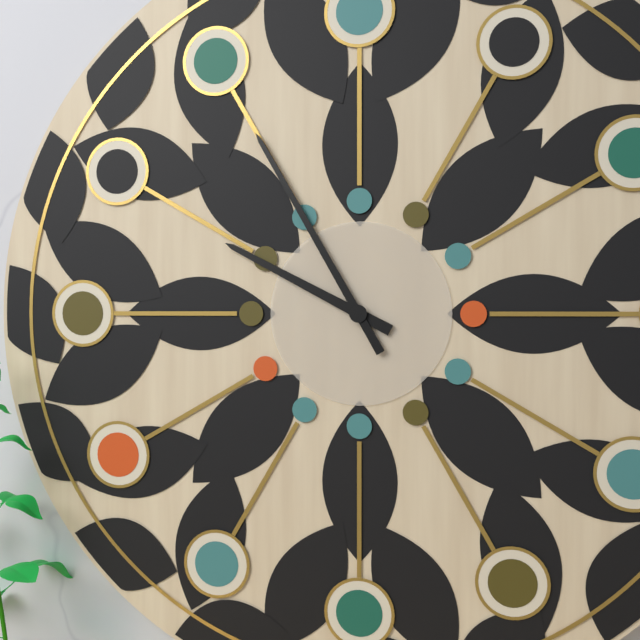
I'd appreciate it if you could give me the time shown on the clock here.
9:55
